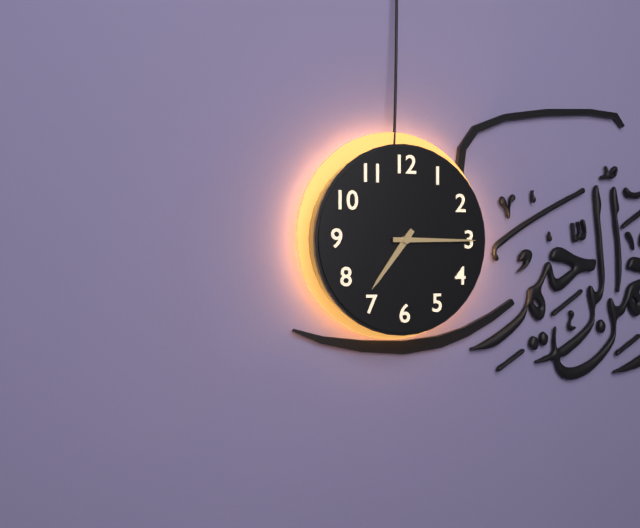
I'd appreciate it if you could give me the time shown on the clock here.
7:15
